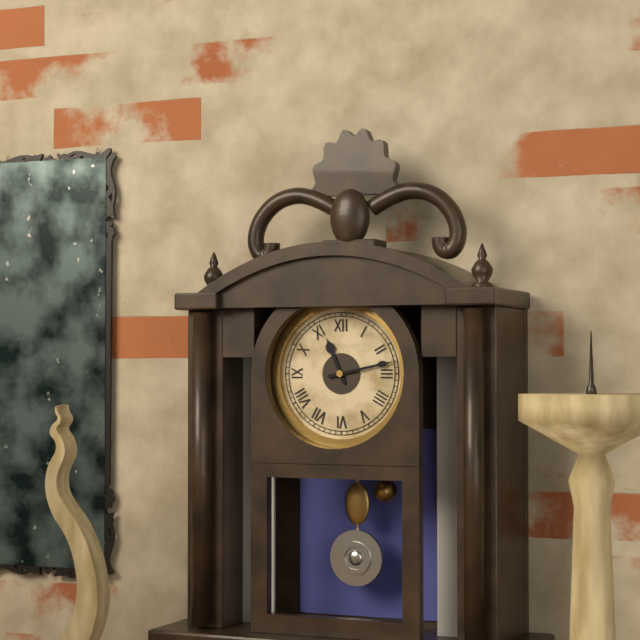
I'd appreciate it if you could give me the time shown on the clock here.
11:13
